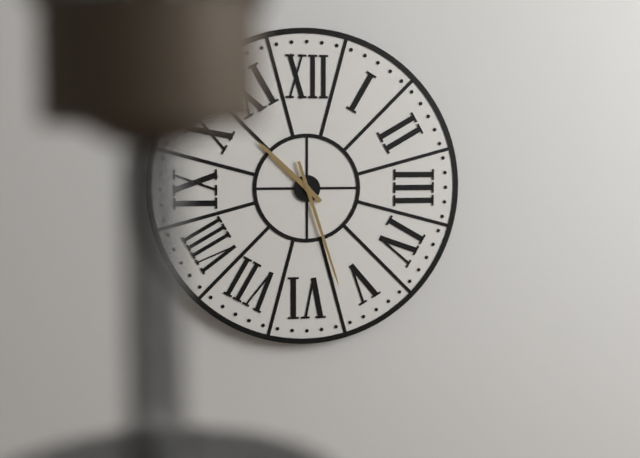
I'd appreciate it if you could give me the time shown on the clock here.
10:27
